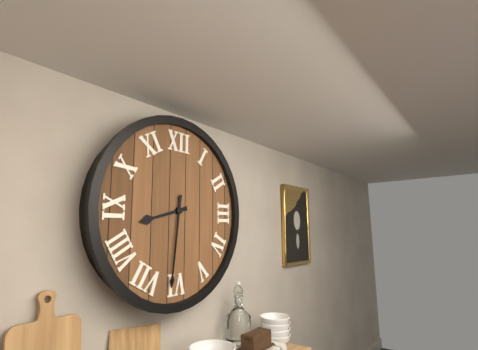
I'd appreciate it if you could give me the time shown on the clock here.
8:31
